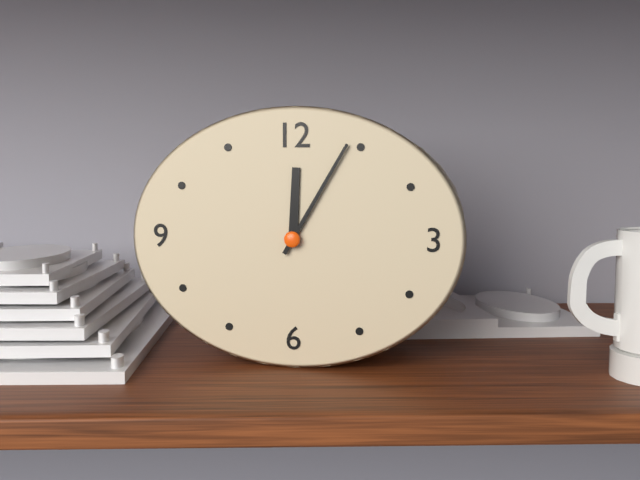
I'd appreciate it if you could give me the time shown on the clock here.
12:05
